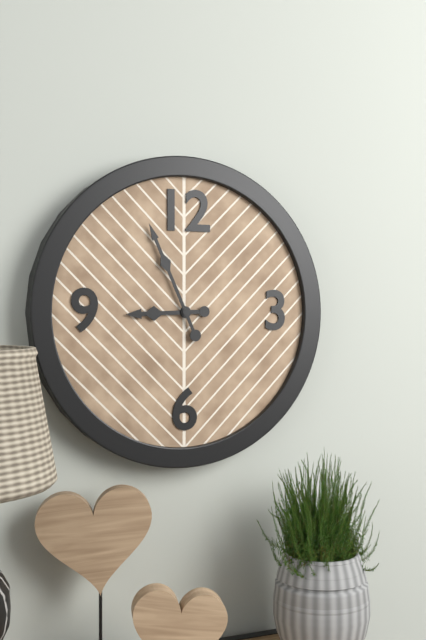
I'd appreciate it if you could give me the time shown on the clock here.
8:56
